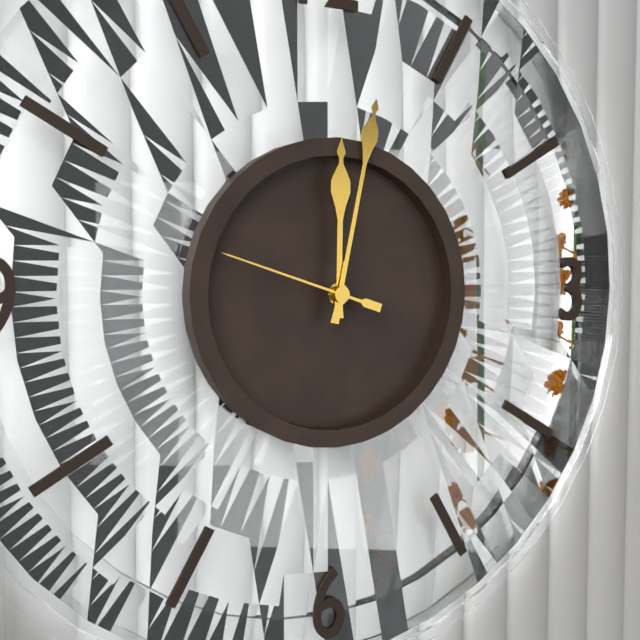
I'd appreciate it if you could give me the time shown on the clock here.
12:02:48
